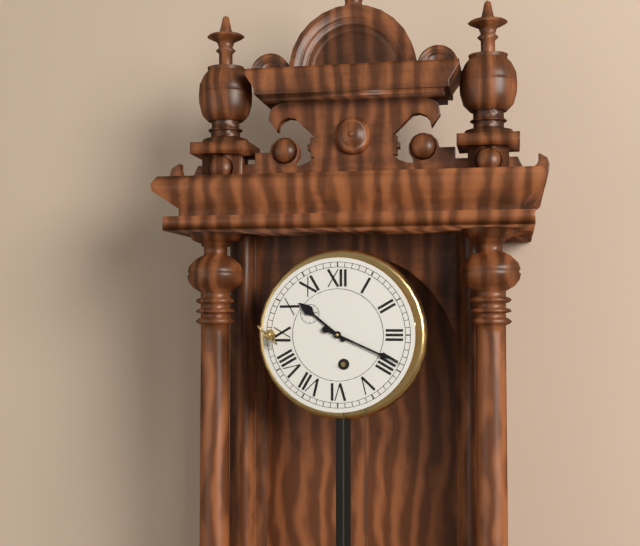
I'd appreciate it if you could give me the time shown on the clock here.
10:19
